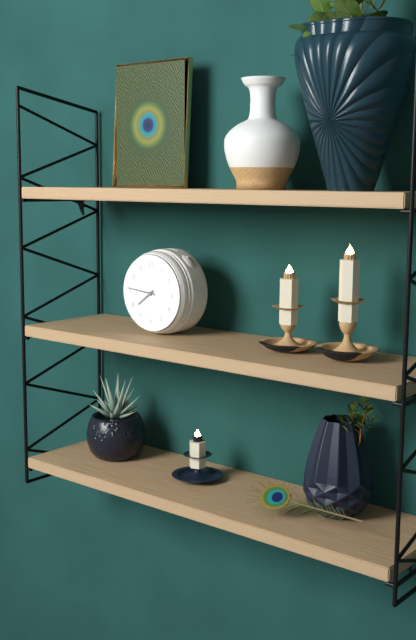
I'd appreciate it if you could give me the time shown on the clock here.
7:46
